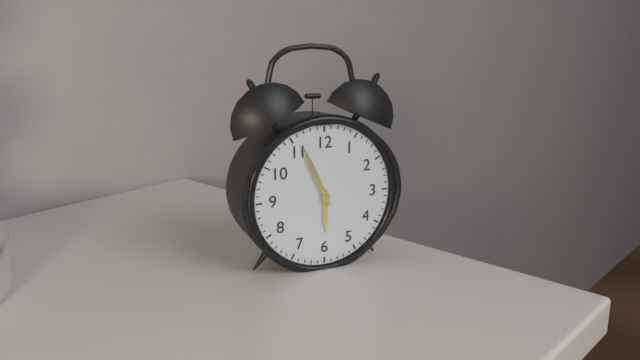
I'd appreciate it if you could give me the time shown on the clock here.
5:56
